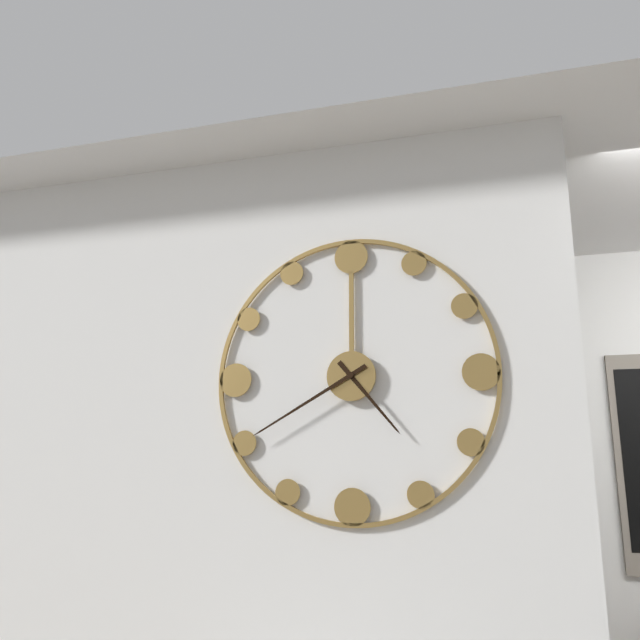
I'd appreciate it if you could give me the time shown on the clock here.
4:40
